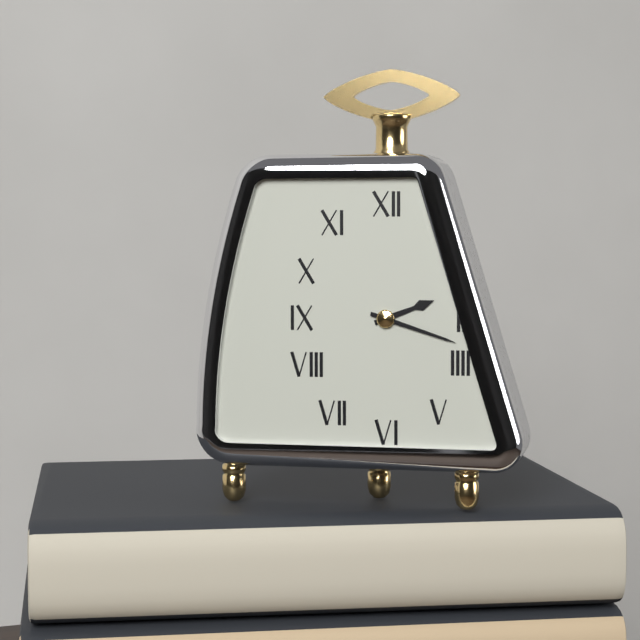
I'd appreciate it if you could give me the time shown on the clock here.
2:18
